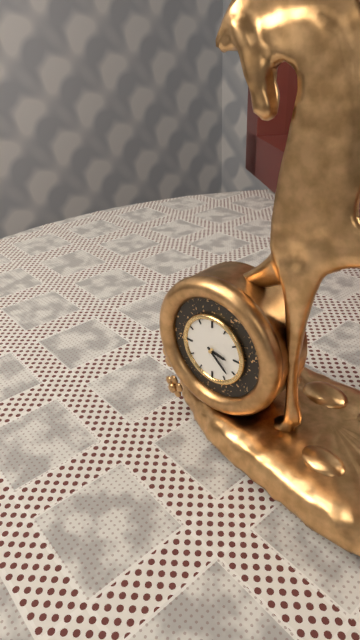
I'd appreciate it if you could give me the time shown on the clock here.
3:22
